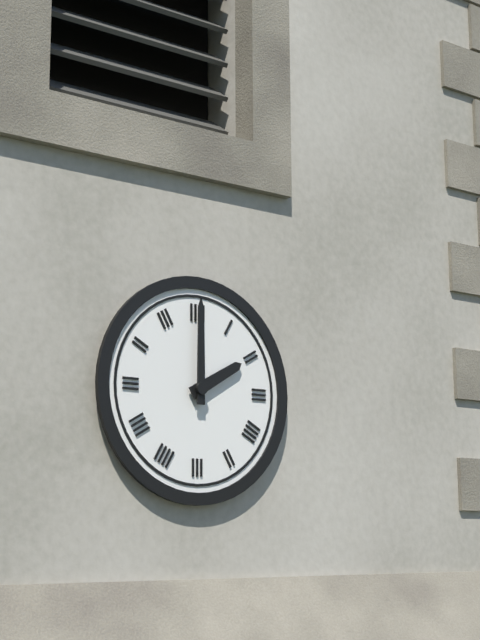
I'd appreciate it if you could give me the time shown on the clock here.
2:00
